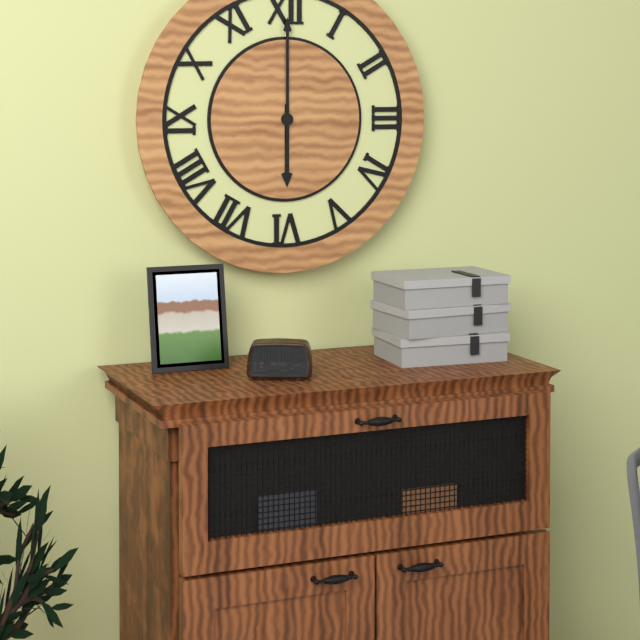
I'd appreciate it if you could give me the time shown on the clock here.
6:00
